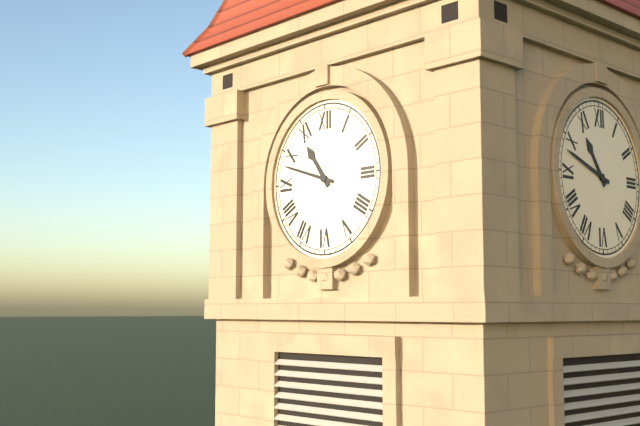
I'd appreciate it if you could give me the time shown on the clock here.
10:48
